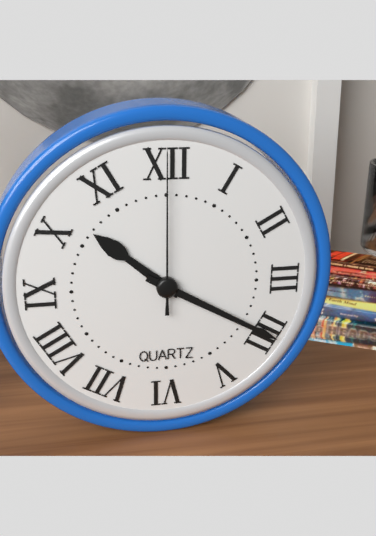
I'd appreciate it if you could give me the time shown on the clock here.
10:20:00
